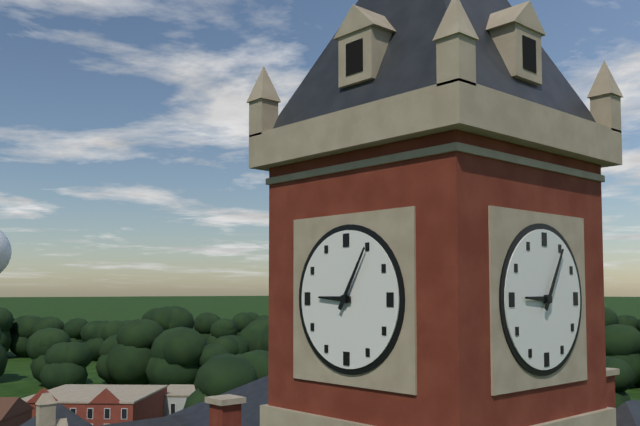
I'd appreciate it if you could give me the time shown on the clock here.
9:05
